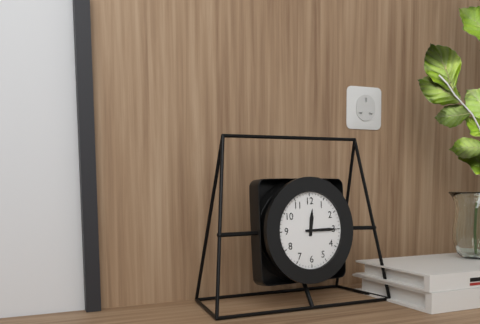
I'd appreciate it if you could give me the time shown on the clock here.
12:15
